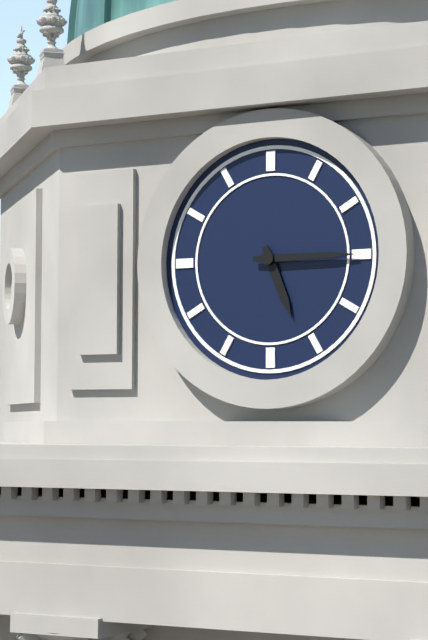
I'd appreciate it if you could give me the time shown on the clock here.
5:15
